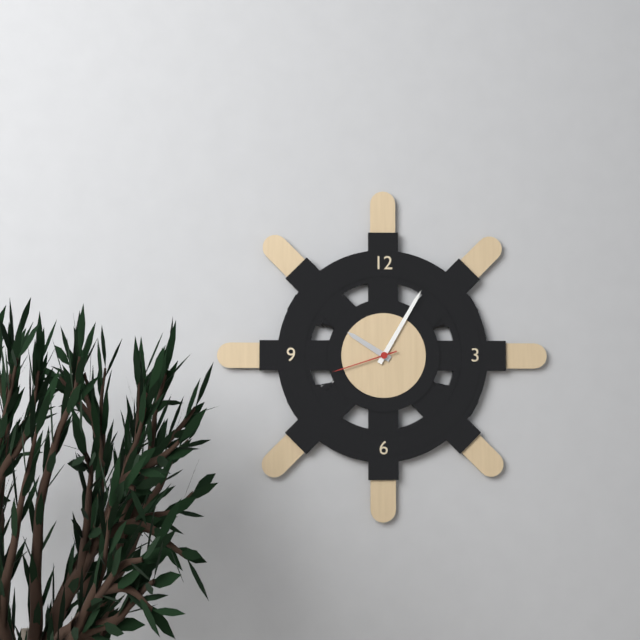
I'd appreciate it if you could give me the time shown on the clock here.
10:05:42
